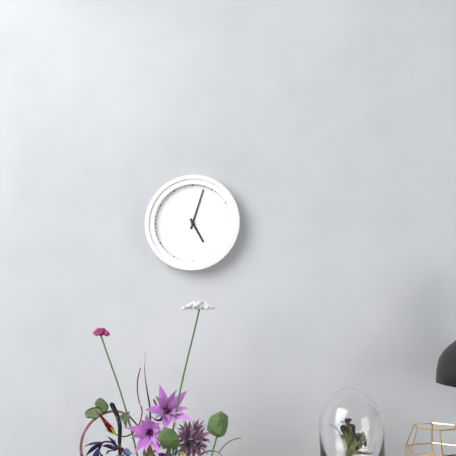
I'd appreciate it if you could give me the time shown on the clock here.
5:03
